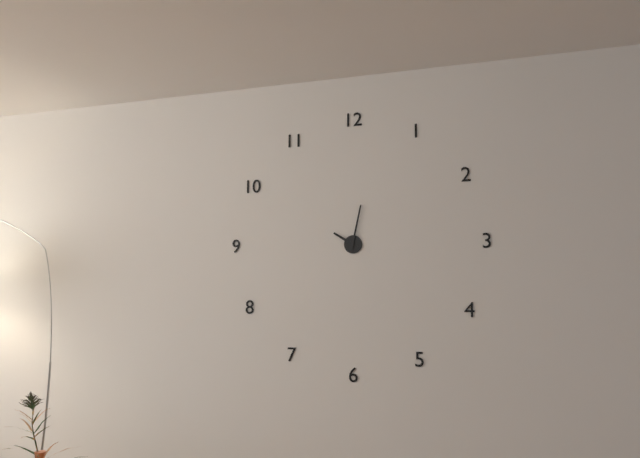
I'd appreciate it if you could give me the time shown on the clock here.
10:02
